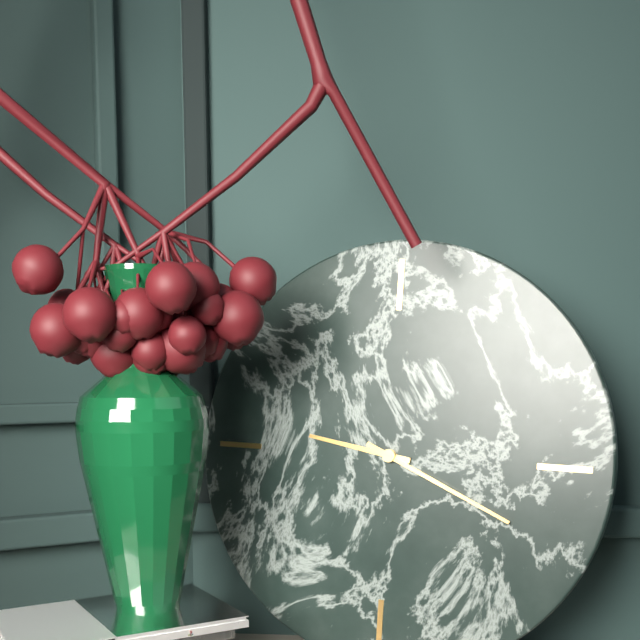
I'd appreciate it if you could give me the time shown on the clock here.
9:19
